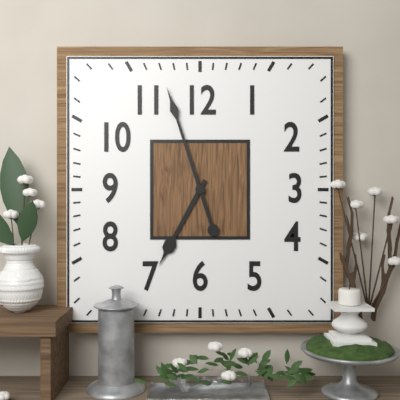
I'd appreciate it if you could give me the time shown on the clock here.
6:57
